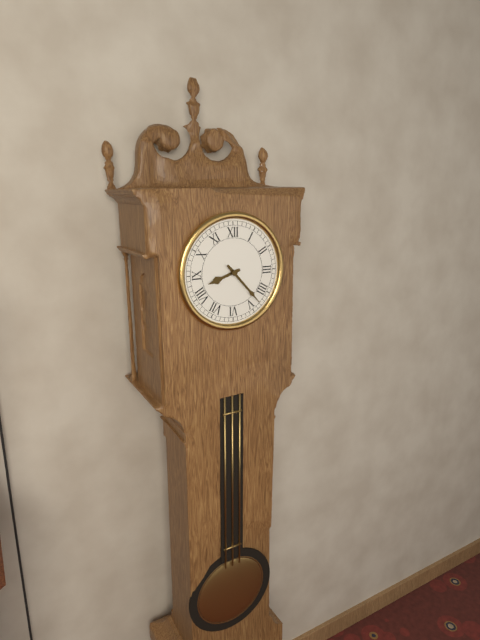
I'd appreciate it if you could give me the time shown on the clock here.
8:23
